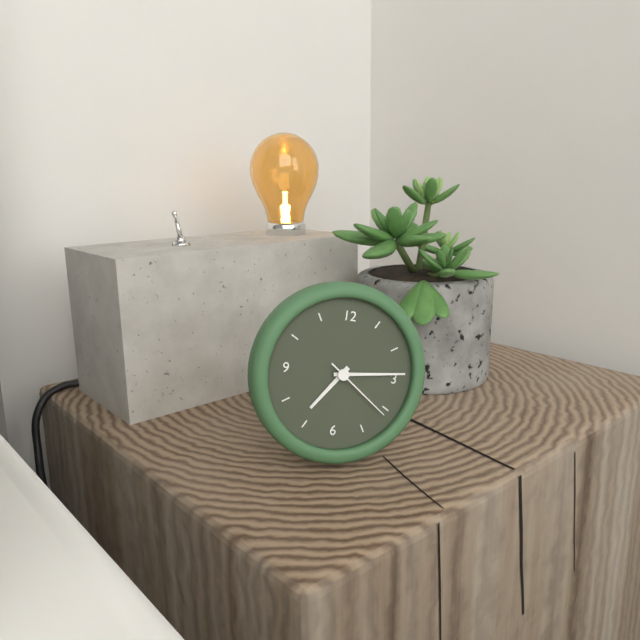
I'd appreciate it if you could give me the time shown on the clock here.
7:14:21
